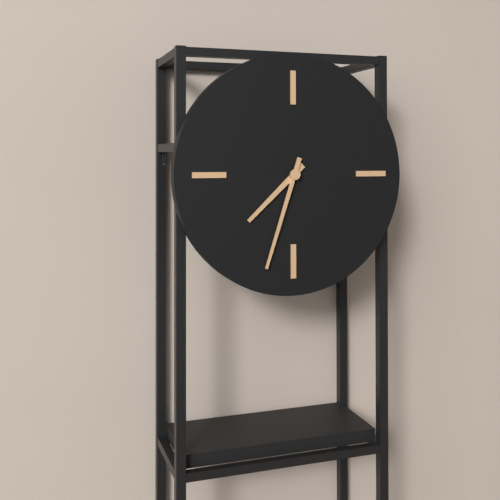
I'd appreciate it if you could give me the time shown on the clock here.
7:33
